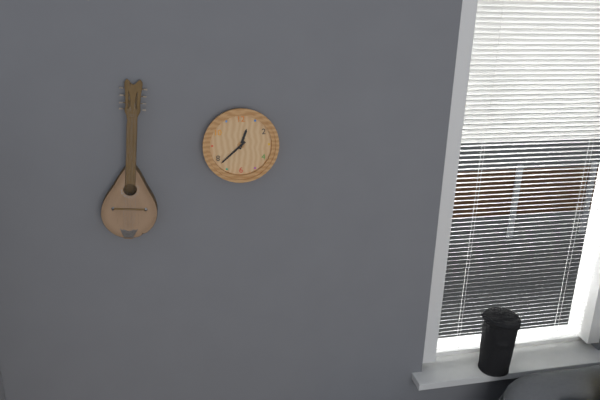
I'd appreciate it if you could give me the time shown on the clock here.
12:38
